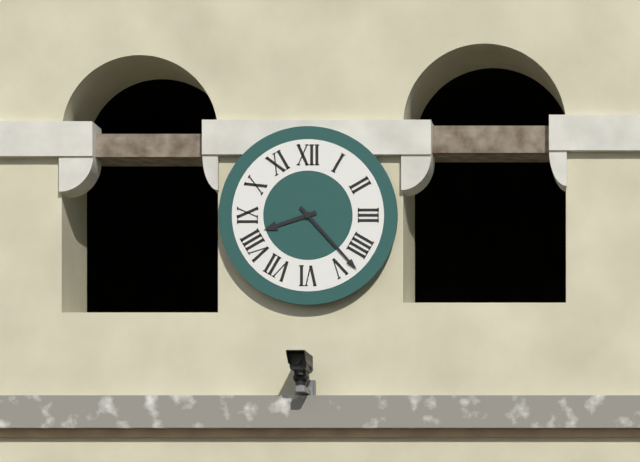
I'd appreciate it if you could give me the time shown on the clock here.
8:23
